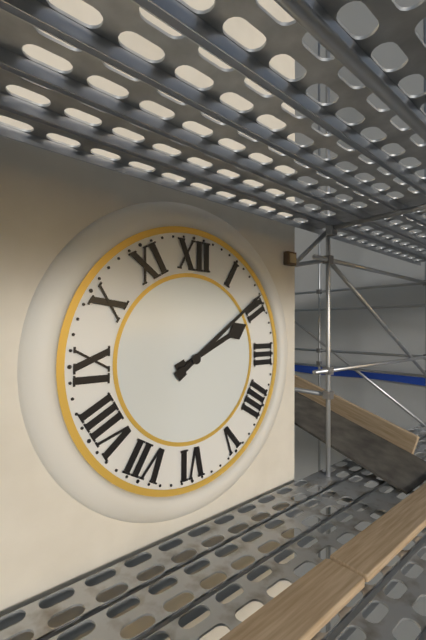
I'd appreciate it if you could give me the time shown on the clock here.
2:09
